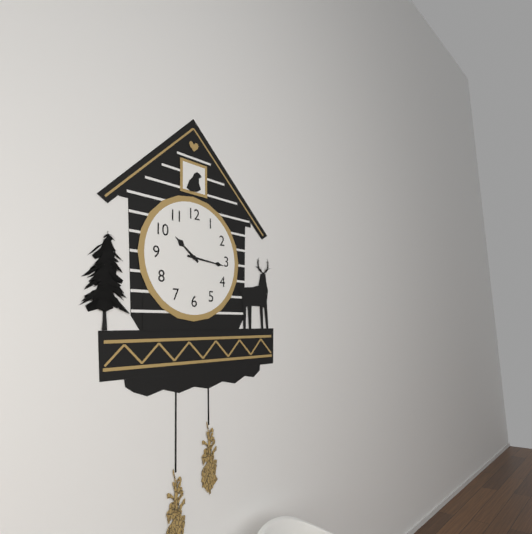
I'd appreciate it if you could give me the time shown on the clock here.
10:16
